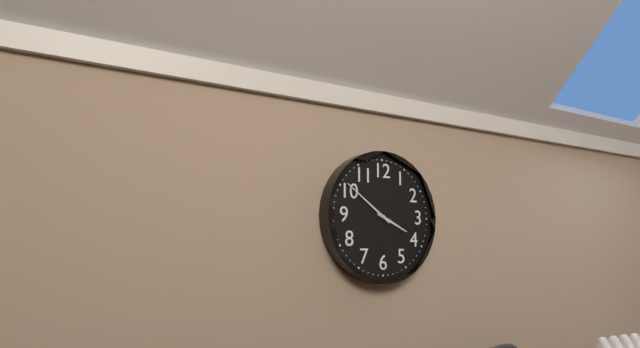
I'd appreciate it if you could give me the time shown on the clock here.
3:51
